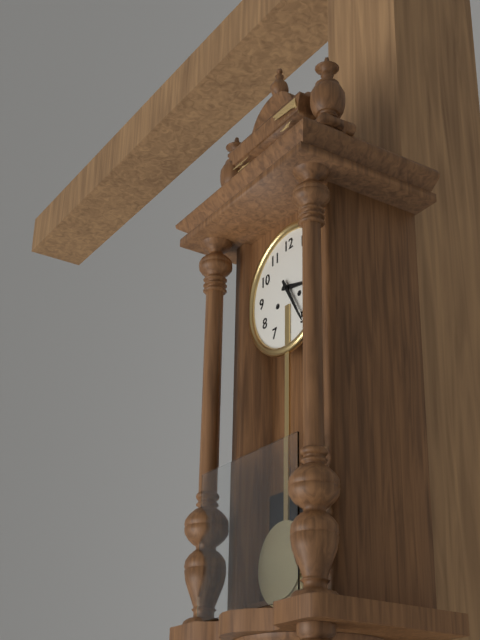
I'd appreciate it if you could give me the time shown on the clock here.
3:25
